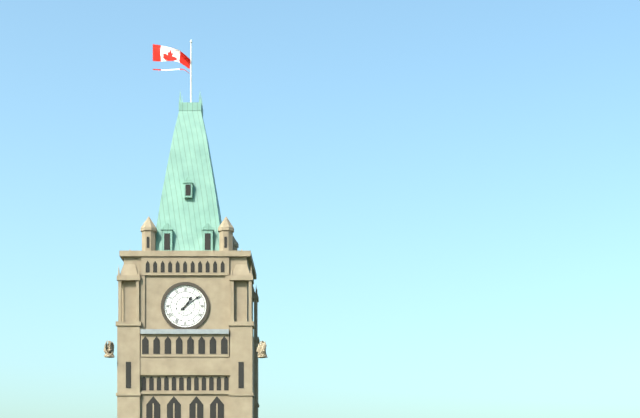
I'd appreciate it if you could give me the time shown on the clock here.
1:09
